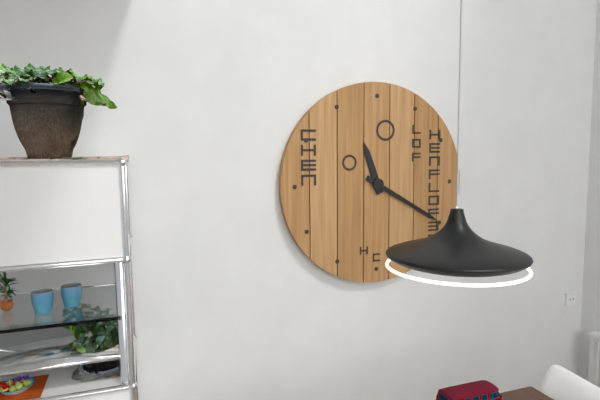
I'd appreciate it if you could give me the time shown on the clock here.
11:20
